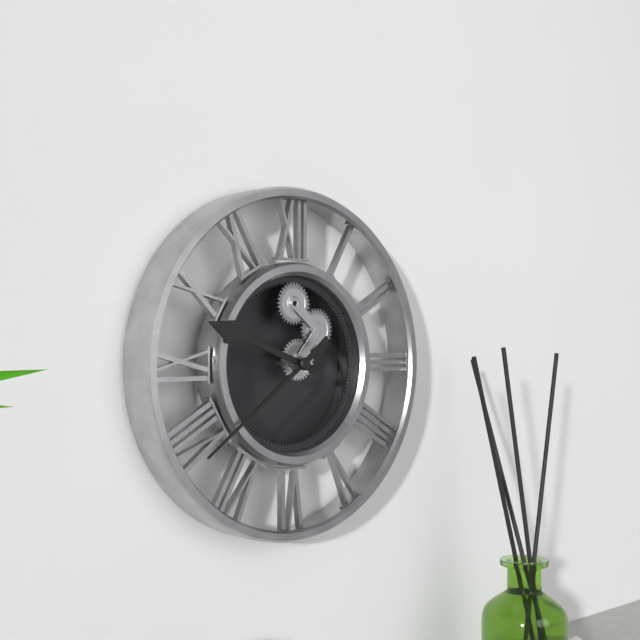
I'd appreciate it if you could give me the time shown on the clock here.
9:39
